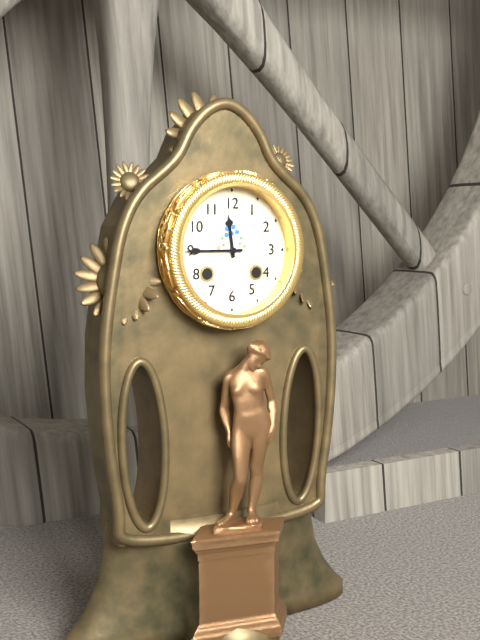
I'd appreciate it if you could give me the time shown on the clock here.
11:45
